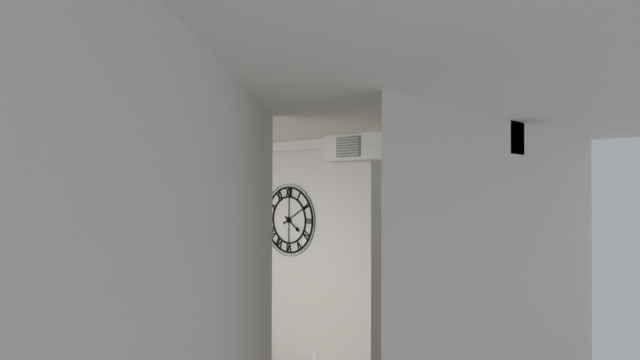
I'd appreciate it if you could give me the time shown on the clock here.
4:10
